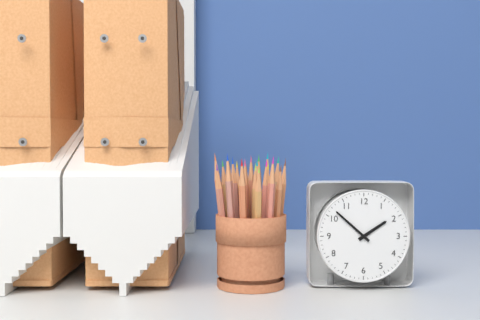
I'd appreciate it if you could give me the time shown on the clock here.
1:52
